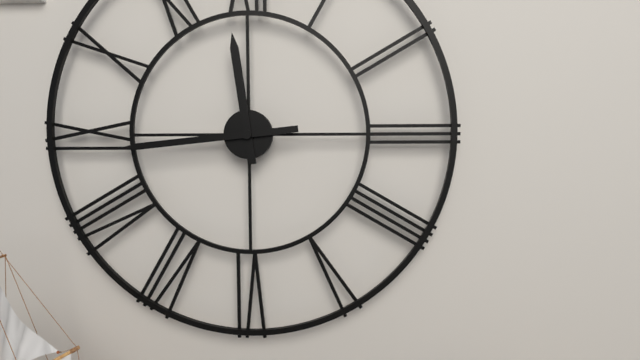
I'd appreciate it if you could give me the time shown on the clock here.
11:44
